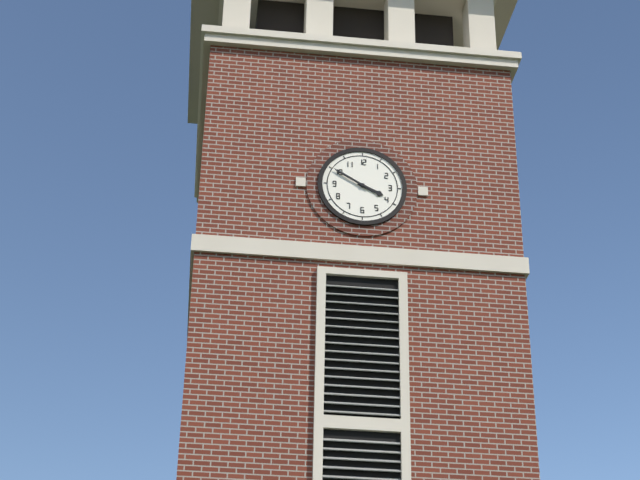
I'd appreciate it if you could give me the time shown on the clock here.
3:50
